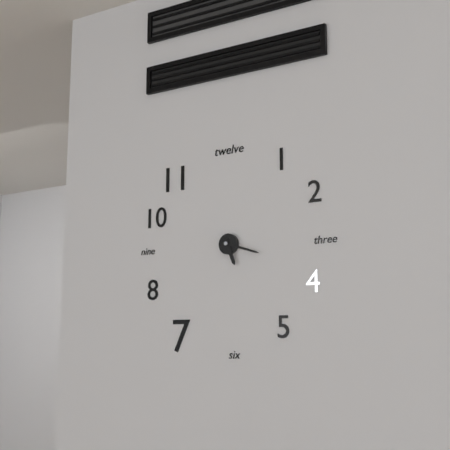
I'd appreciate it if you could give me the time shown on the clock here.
5:18
